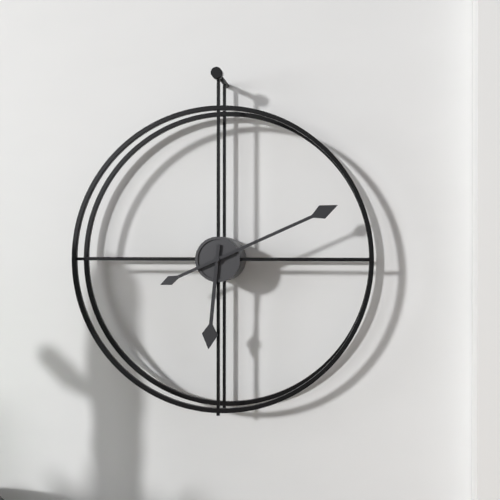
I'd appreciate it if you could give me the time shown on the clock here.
6:11
